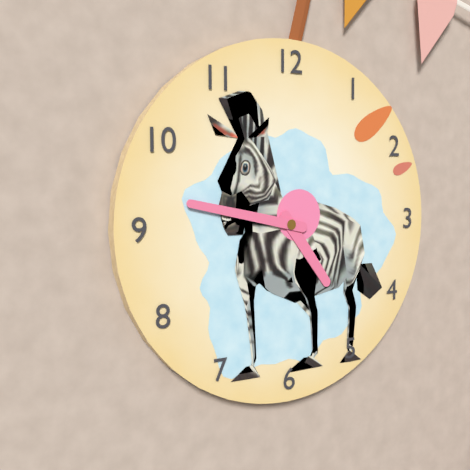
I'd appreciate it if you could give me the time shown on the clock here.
4:47
